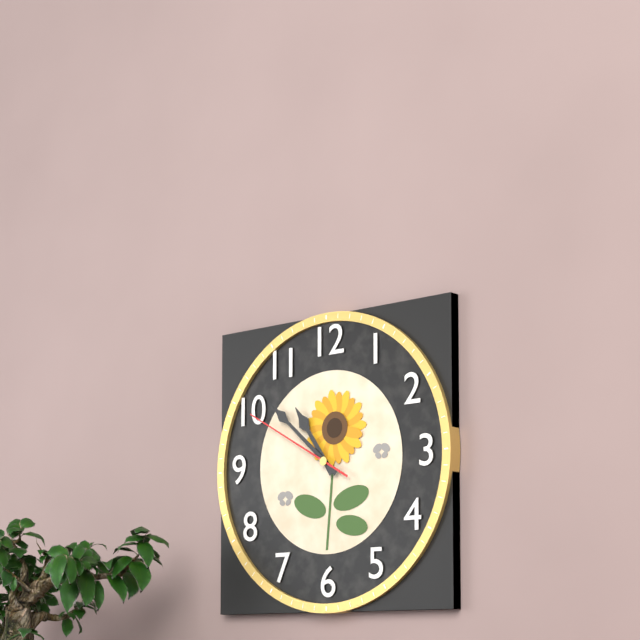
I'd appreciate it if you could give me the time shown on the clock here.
10:52:50
